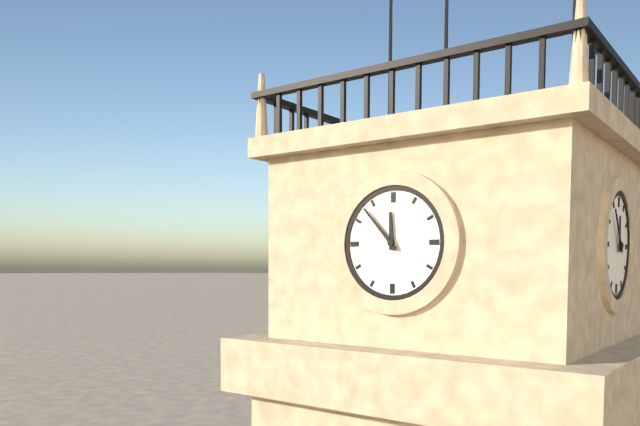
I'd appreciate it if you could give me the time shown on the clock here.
11:53
